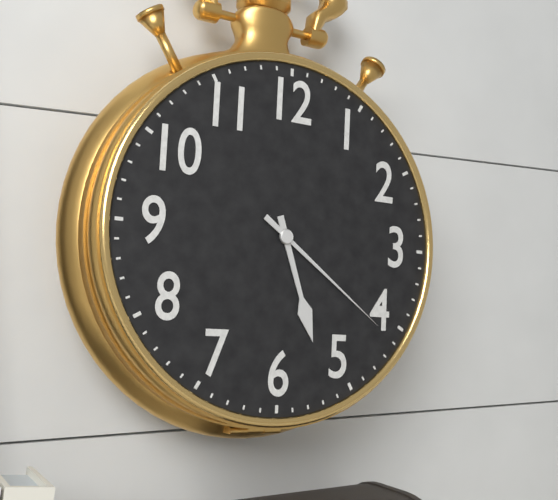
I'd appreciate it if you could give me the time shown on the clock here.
5:21
